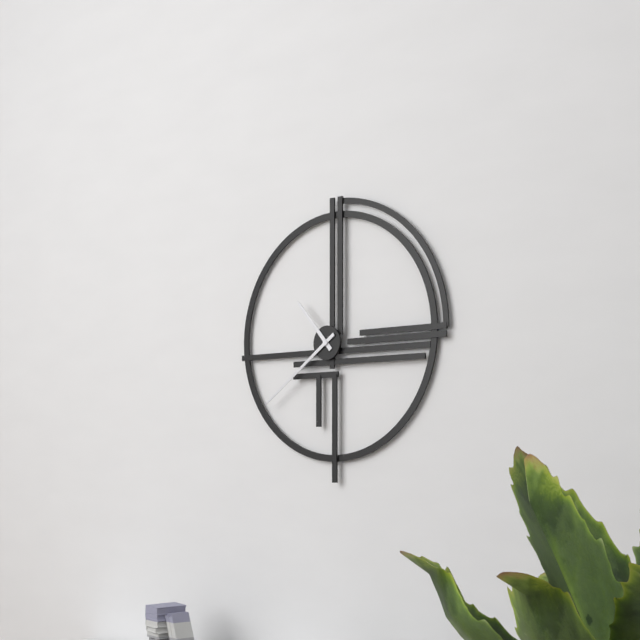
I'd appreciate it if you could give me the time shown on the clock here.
10:39
